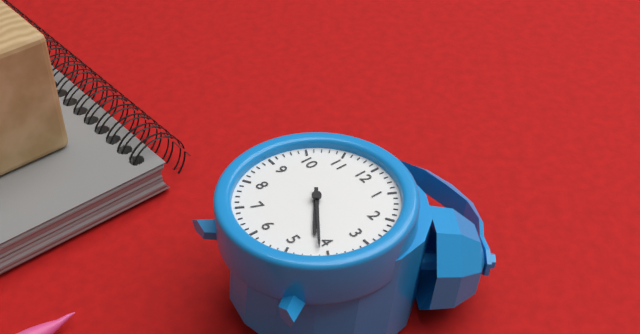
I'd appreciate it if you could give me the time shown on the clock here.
4:21
